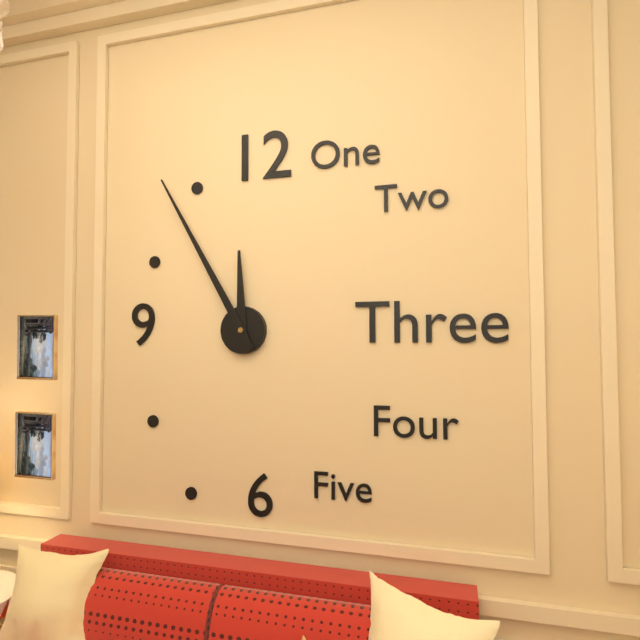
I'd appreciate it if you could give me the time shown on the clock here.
11:55
